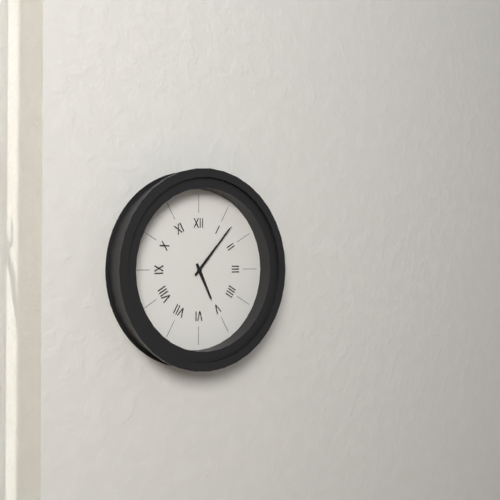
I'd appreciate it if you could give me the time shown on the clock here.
5:07
